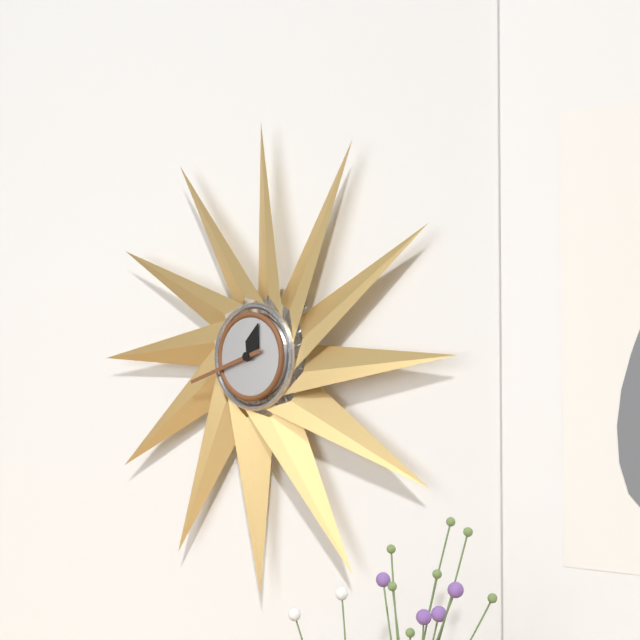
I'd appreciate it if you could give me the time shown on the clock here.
12:42
